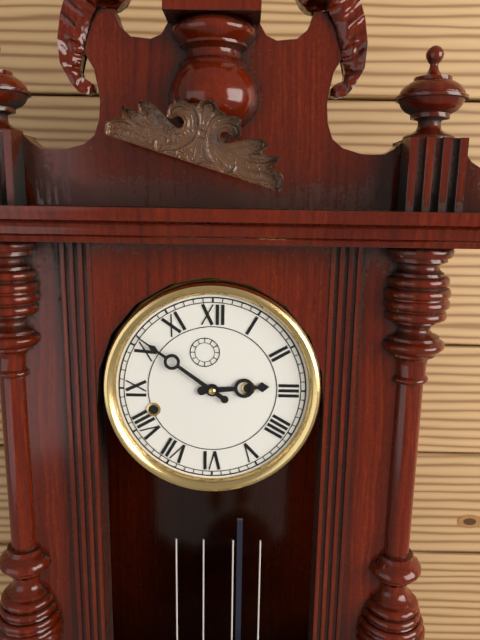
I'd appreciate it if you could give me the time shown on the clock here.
2:51
